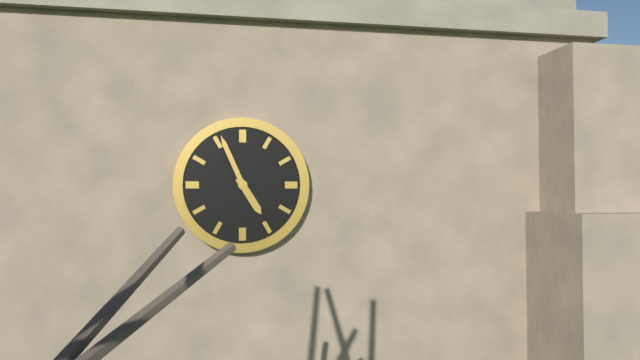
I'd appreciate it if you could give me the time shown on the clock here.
4:56
